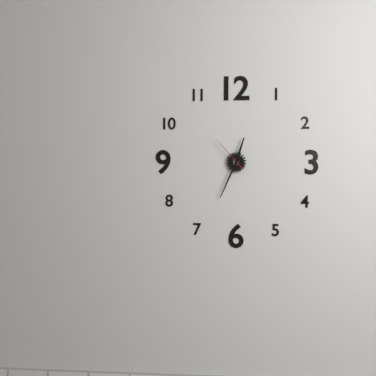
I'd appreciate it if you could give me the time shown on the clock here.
12:34
